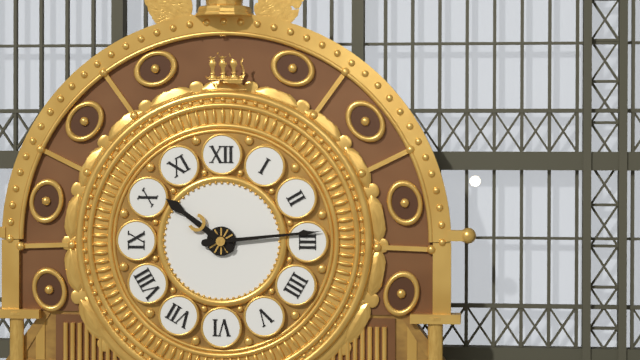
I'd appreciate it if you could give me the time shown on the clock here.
10:14
